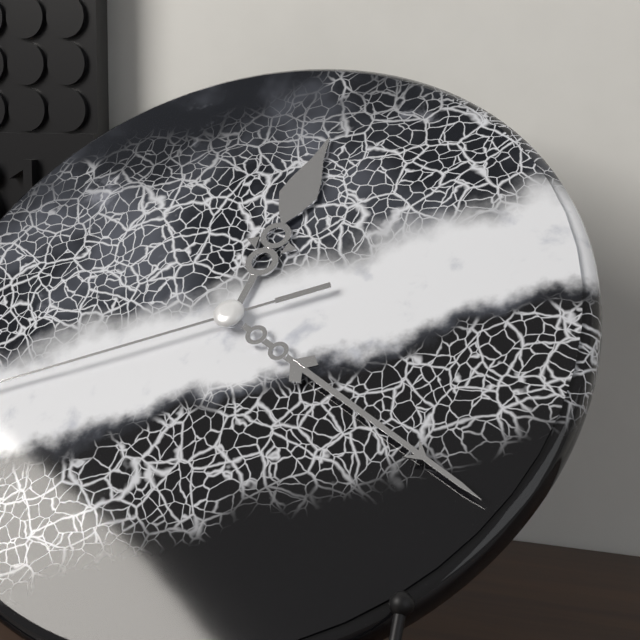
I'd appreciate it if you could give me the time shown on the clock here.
12:20
